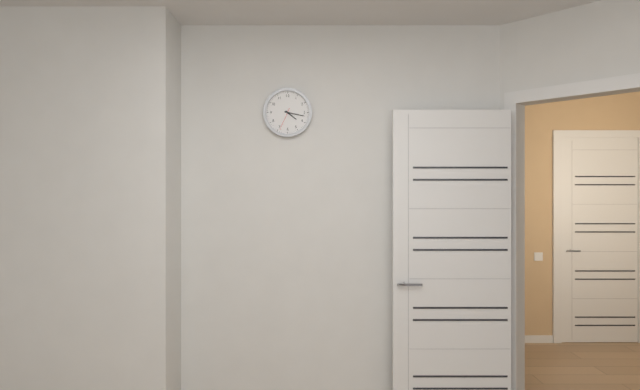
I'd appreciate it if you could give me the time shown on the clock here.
4:17
